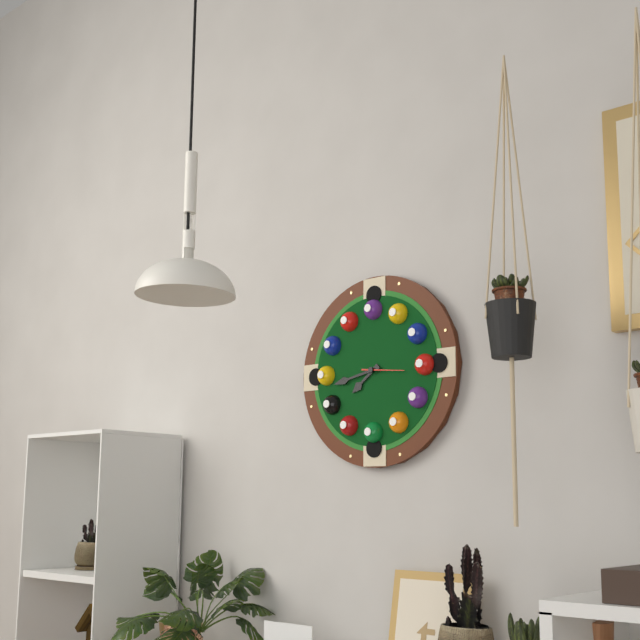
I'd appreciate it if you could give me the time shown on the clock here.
7:43
